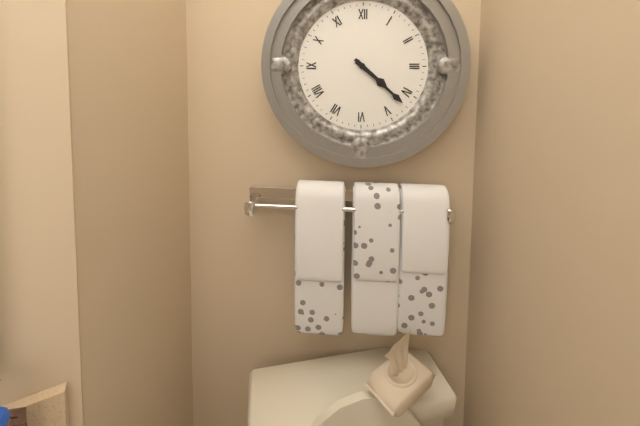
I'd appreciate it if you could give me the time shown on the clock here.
4:22
